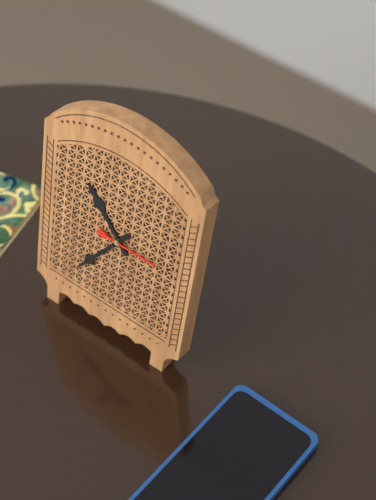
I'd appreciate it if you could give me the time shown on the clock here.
10:36:15
